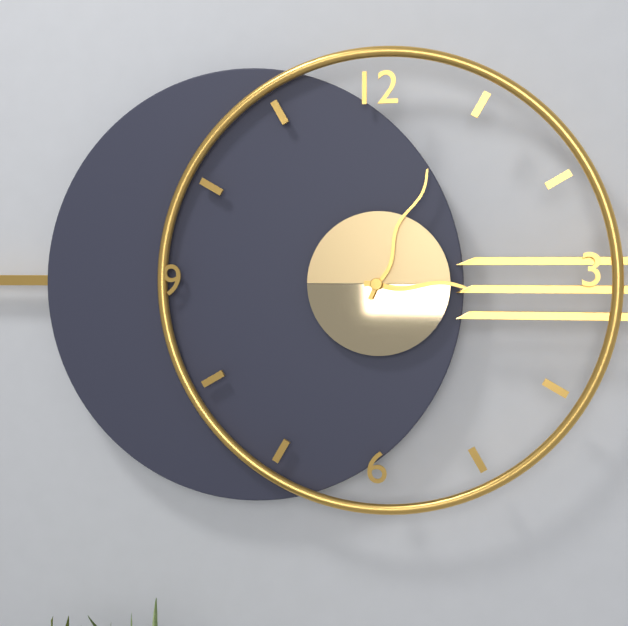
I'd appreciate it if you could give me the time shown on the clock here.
3:04
